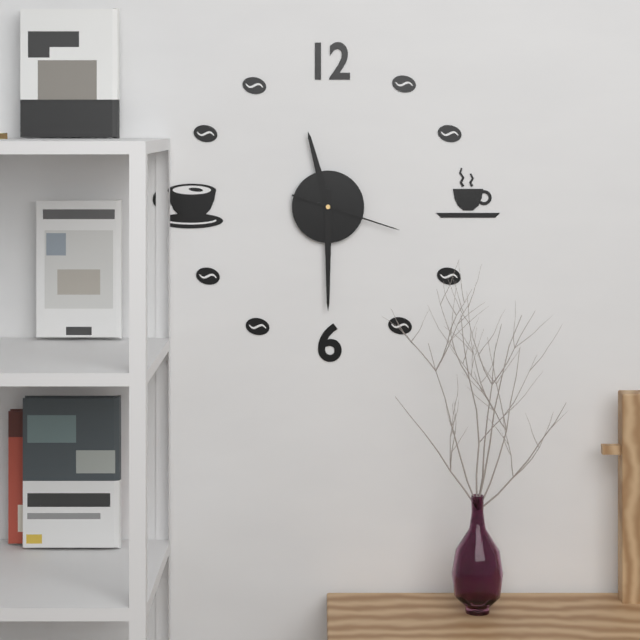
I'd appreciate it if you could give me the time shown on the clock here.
11:30:18
